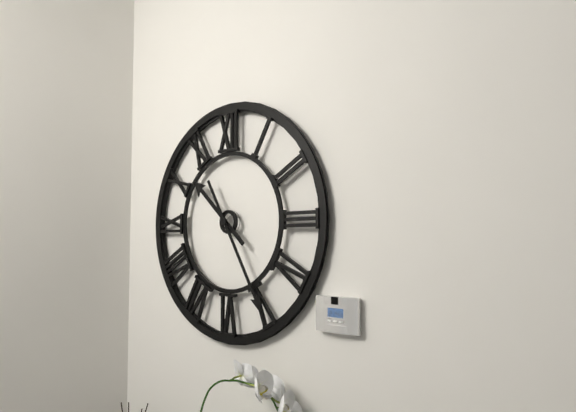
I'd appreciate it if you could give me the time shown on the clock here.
10:25
